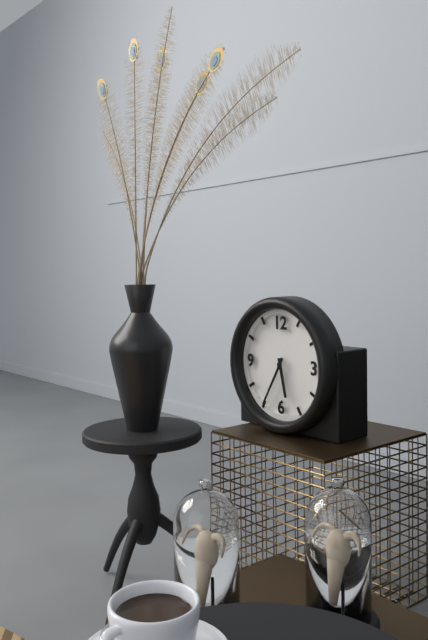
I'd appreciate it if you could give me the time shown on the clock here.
5:35
